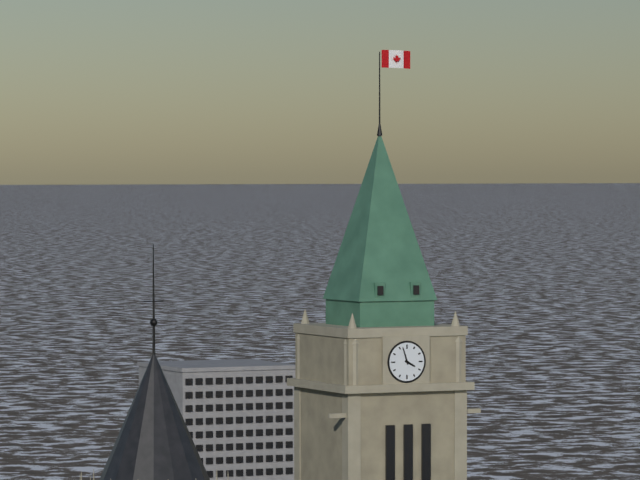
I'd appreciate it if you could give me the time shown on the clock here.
3:57
